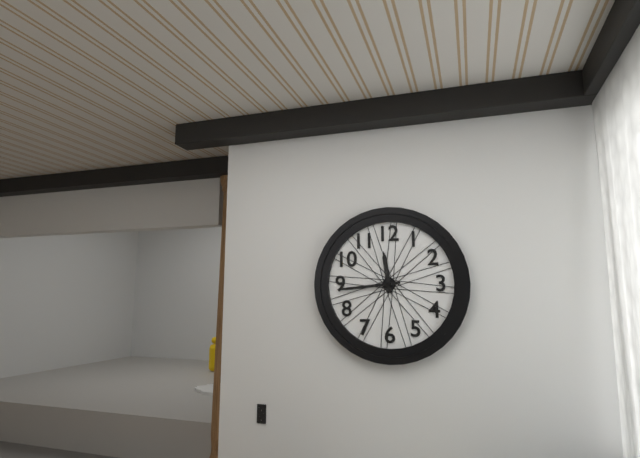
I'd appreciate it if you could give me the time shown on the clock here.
11:44
